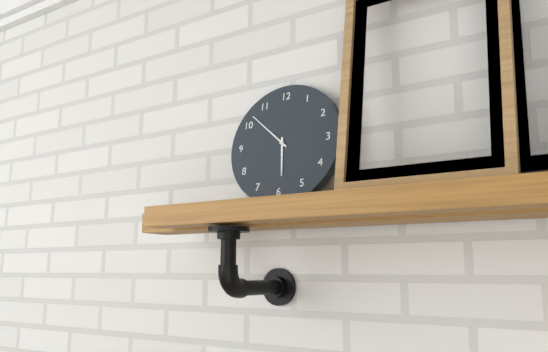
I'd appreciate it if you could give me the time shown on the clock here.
5:52
